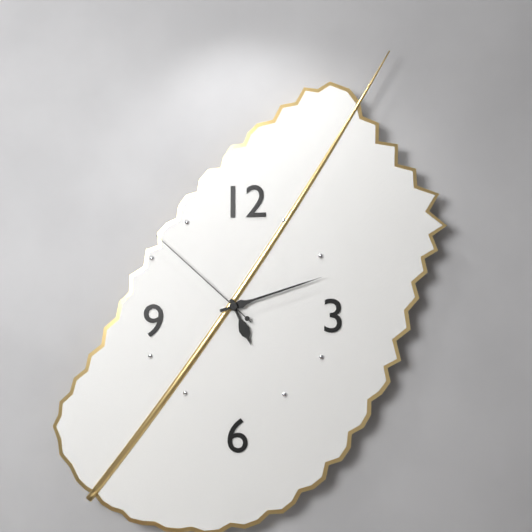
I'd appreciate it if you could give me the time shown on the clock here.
5:12:52
